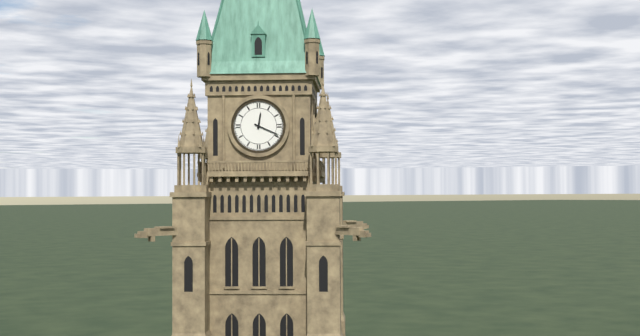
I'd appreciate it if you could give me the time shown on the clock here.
12:19
